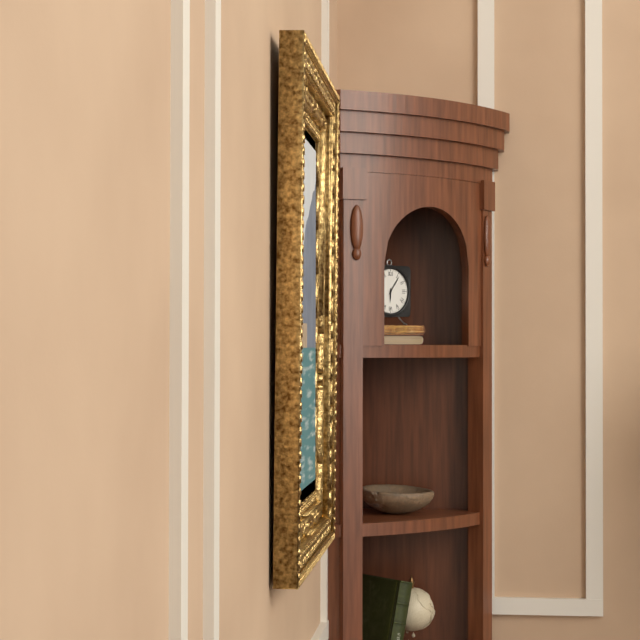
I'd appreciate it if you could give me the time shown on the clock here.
6:06
